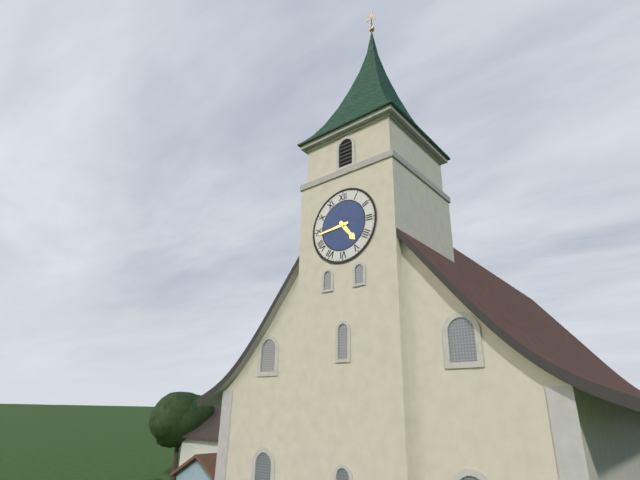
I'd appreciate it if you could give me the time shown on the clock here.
4:44
